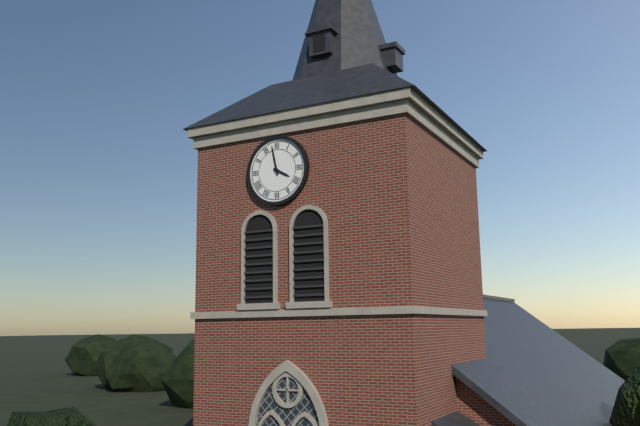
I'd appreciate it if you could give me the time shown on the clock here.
3:58
